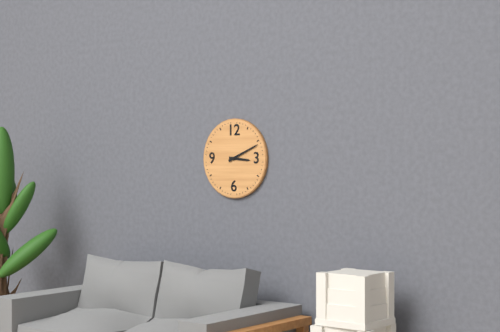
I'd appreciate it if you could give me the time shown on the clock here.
3:11
